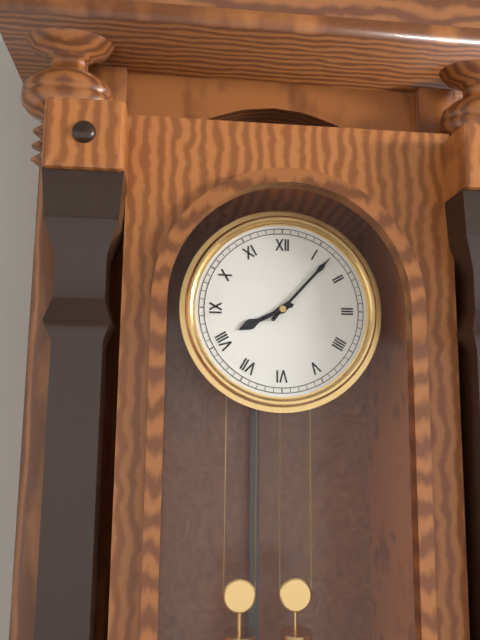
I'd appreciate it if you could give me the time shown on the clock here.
8:07
